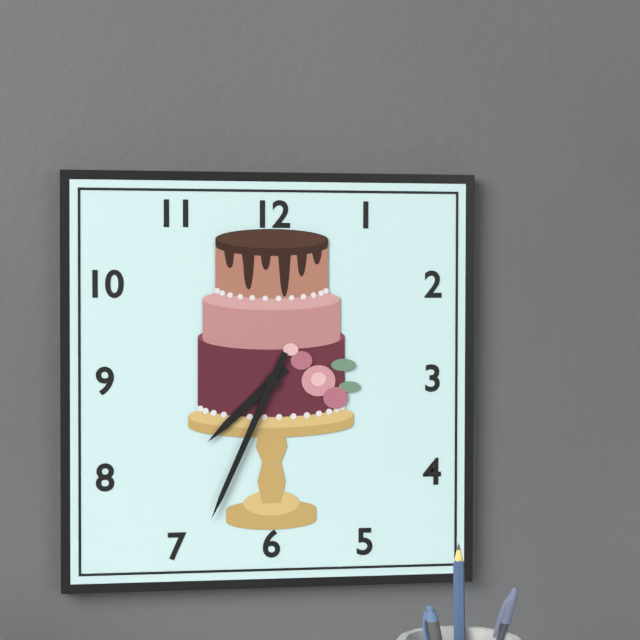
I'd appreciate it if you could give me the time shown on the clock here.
7:34
